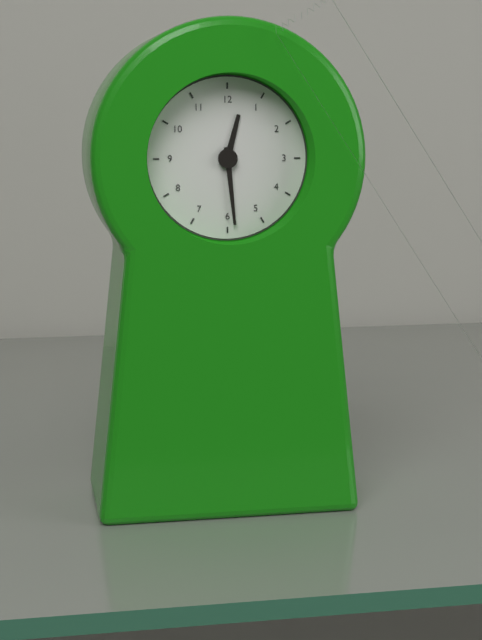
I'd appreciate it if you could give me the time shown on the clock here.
12:29
